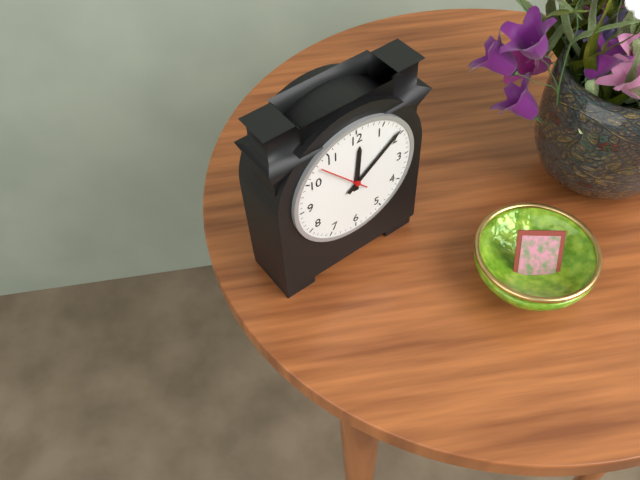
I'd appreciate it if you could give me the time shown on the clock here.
12:09
